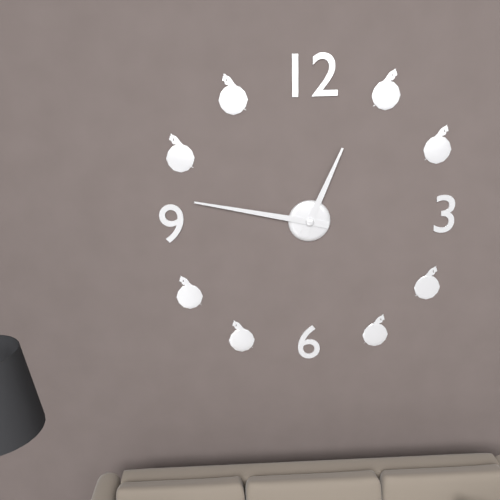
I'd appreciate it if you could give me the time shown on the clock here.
12:47
